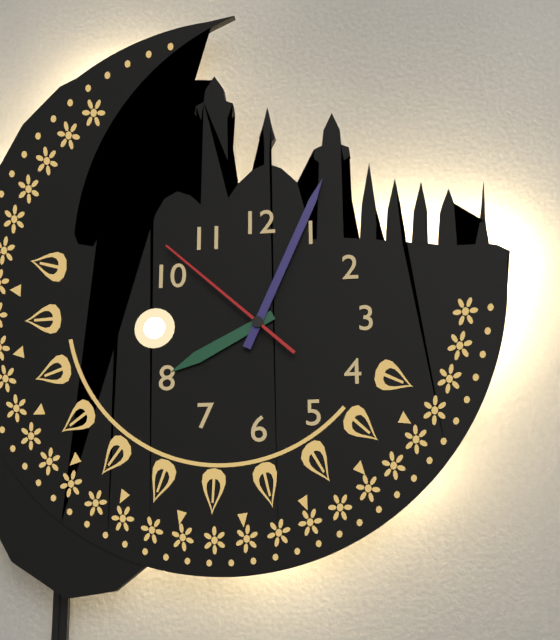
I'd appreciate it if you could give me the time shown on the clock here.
8:04:52
